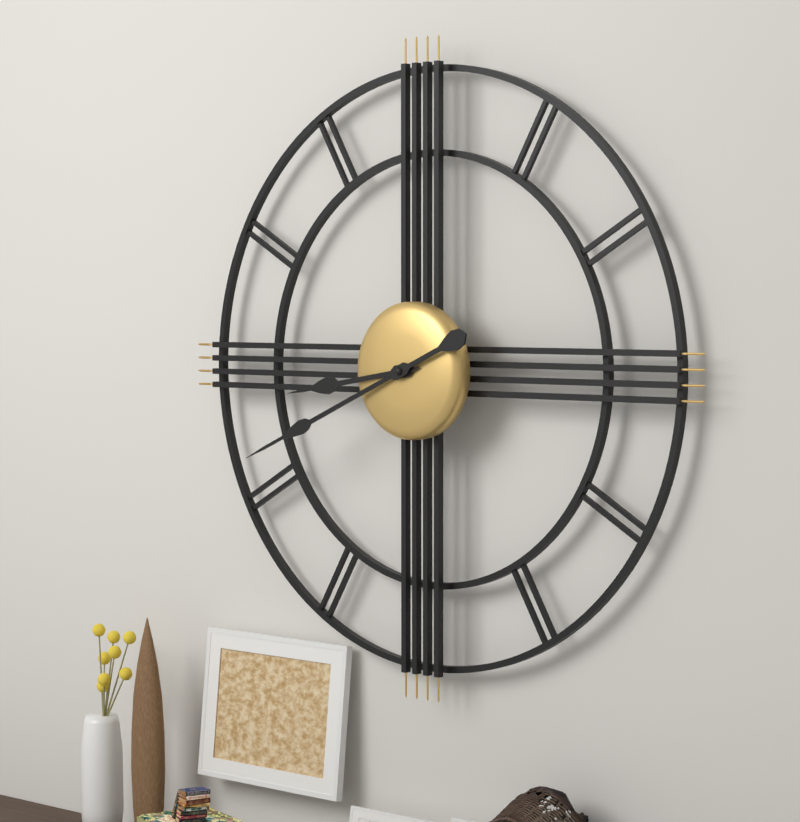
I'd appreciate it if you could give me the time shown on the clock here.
8:41
